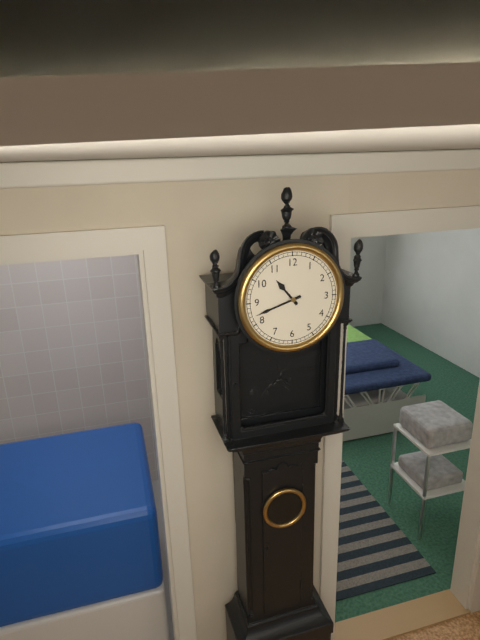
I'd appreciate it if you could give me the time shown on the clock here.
10:42
